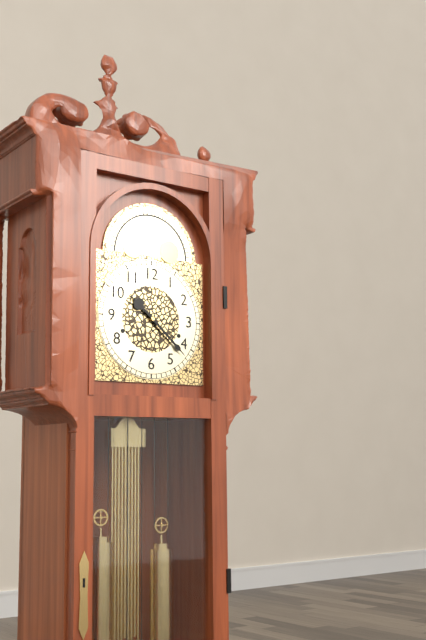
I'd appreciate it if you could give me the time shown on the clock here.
10:22
